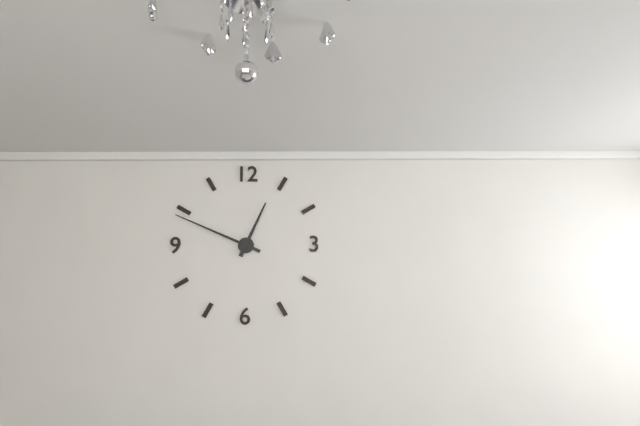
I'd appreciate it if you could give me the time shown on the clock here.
12:49
